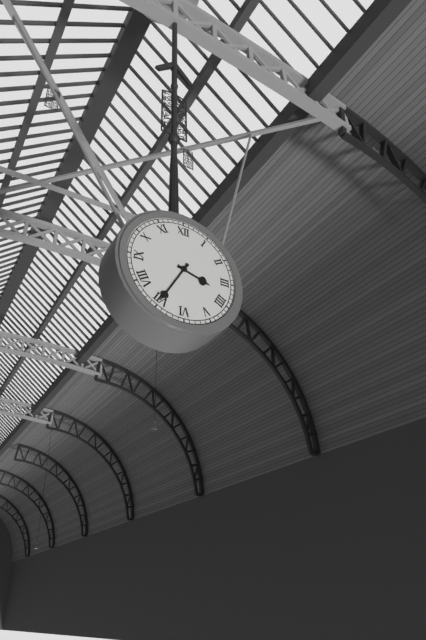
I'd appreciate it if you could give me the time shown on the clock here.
3:35
